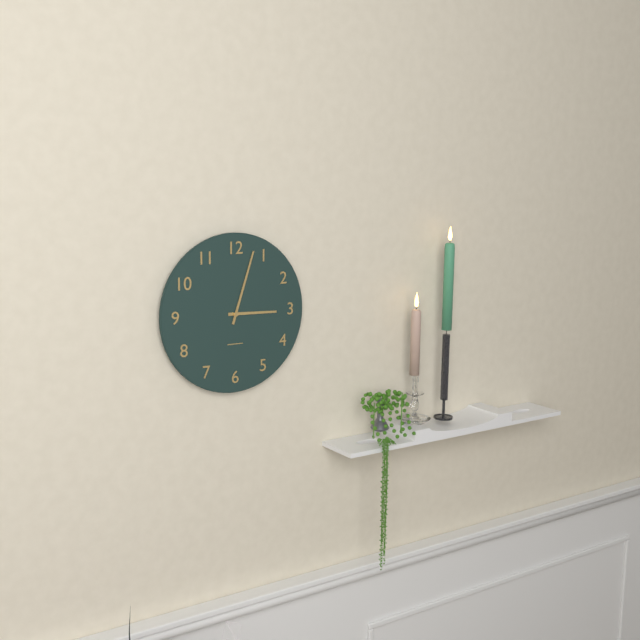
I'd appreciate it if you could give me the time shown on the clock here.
3:03
